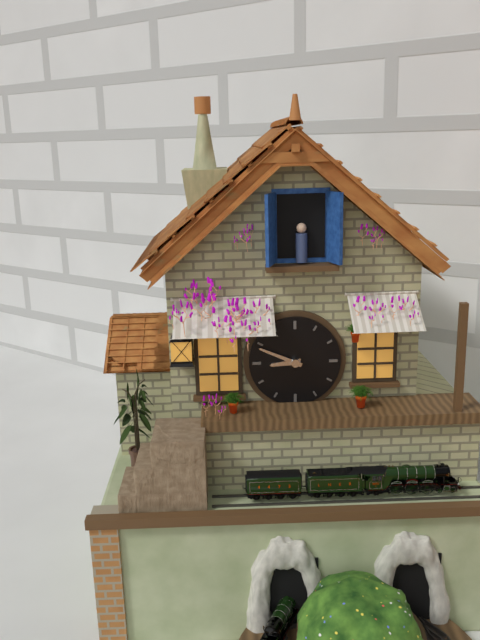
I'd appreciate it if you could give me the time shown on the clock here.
8:49
